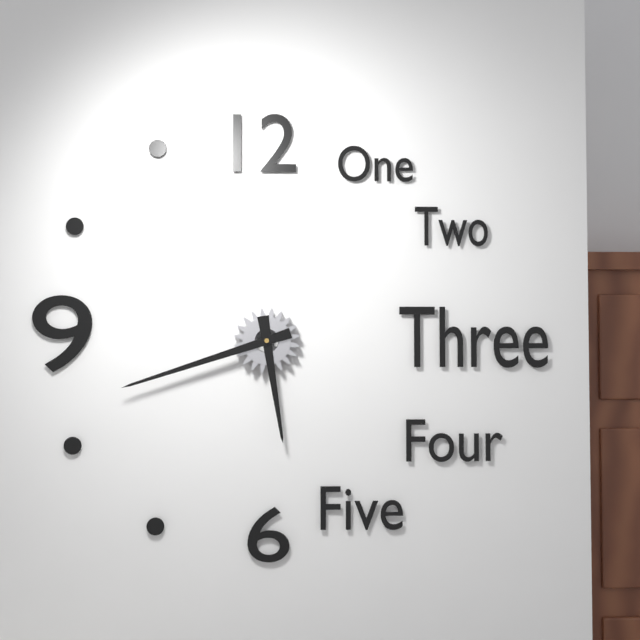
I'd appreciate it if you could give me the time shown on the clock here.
5:42
